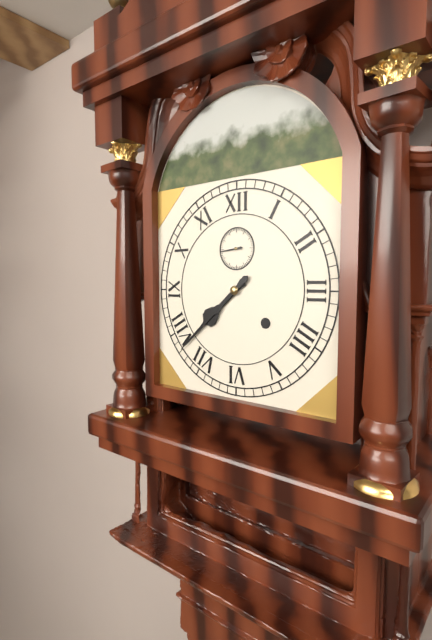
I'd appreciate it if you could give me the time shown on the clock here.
7:38
